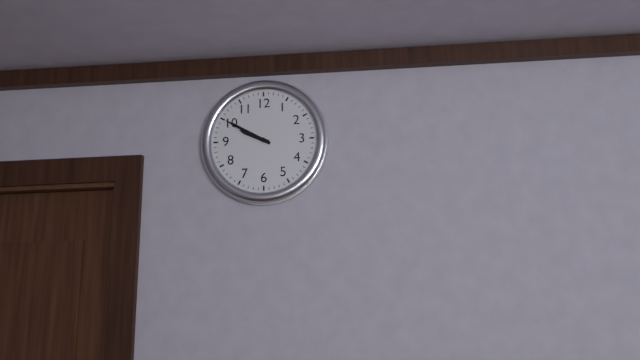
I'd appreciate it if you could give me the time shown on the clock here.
9:50
